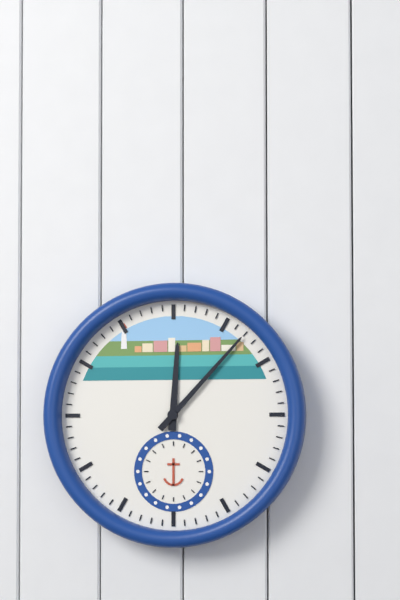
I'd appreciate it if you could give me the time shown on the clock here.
12:07
